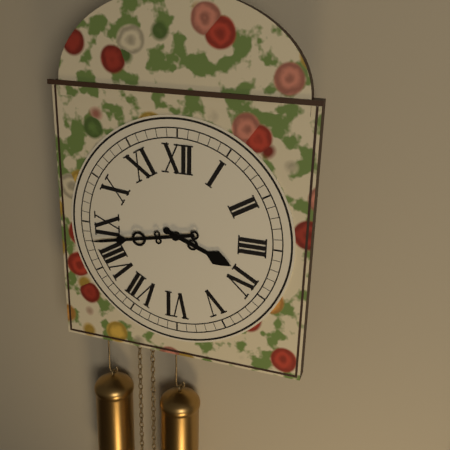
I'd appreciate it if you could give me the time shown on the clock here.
3:43
